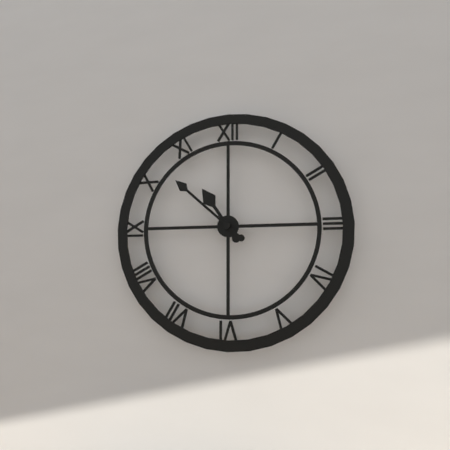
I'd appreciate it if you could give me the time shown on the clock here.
10:52
